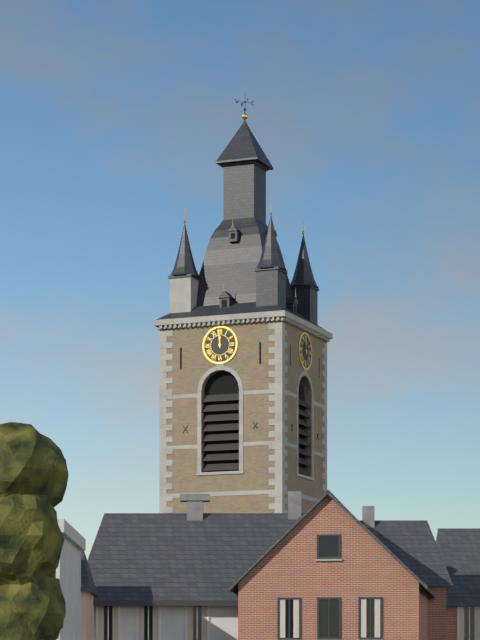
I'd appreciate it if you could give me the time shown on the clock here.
11:59
